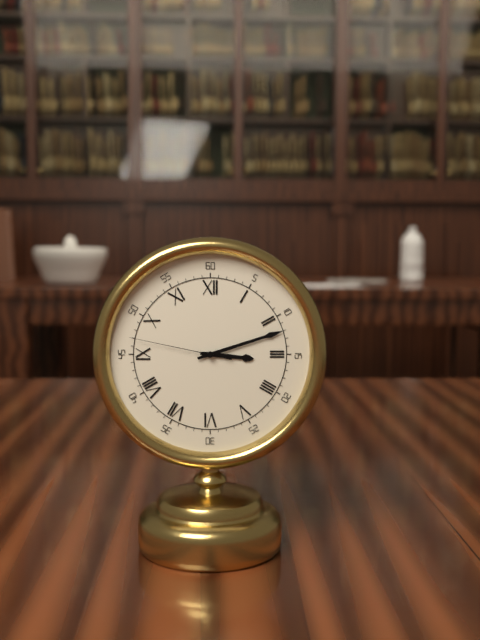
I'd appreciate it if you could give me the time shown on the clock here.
3:12:47
